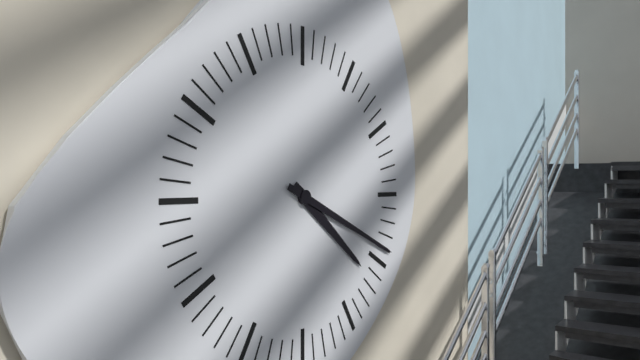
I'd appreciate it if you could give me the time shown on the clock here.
4:19
